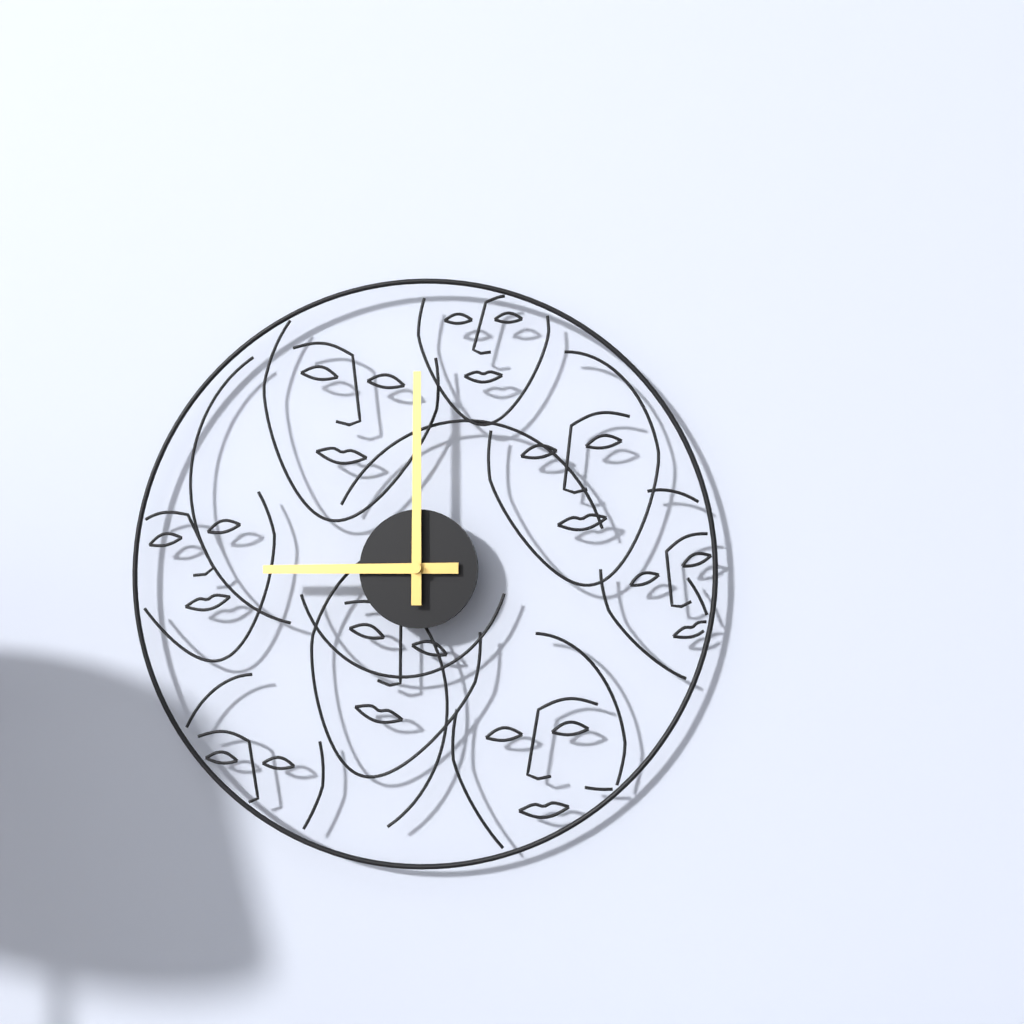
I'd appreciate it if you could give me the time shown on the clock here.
9:00
